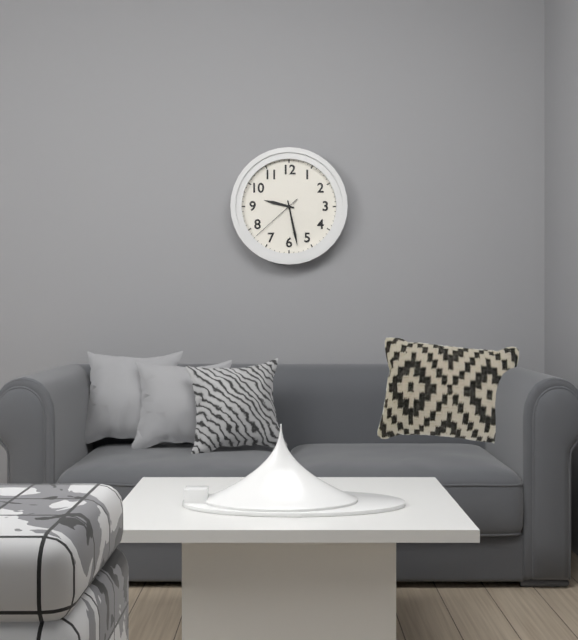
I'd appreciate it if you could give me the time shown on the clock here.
9:28:38
